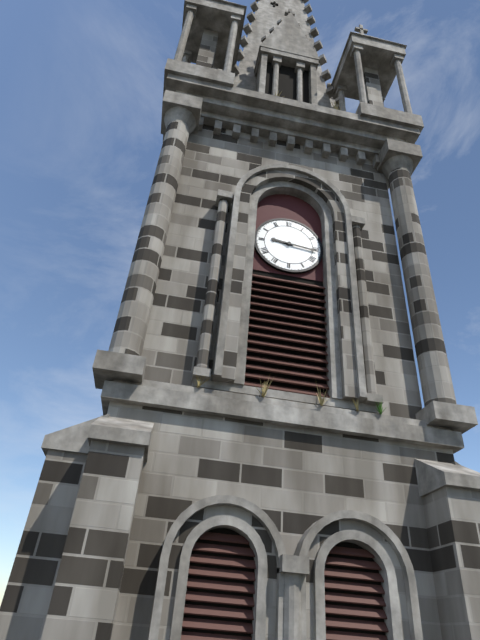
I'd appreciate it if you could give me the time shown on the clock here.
9:16
